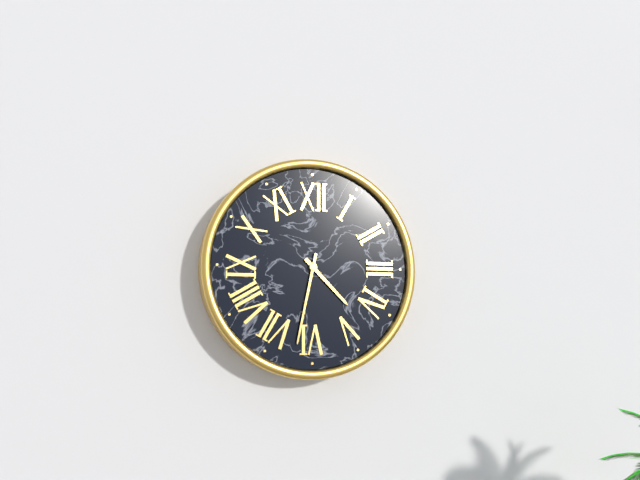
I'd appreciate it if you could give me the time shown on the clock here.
4:32
